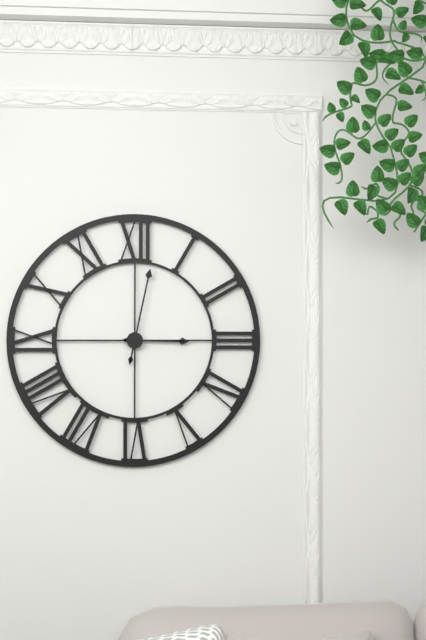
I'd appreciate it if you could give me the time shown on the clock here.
3:02
